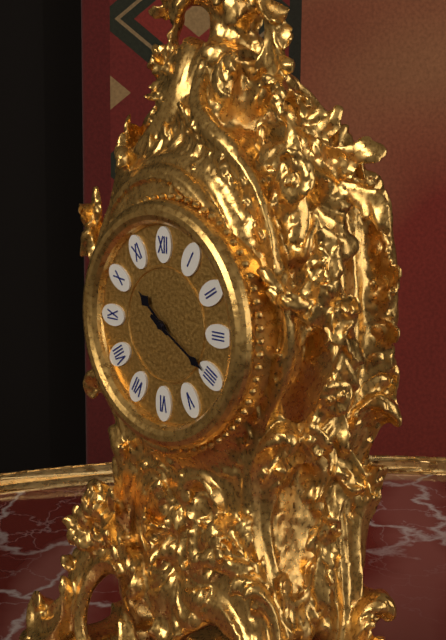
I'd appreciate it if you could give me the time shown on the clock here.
10:20
